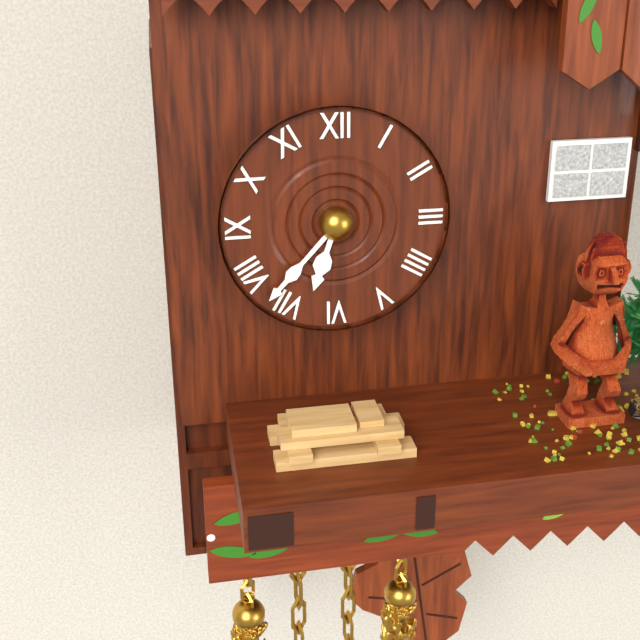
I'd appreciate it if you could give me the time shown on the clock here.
6:37
